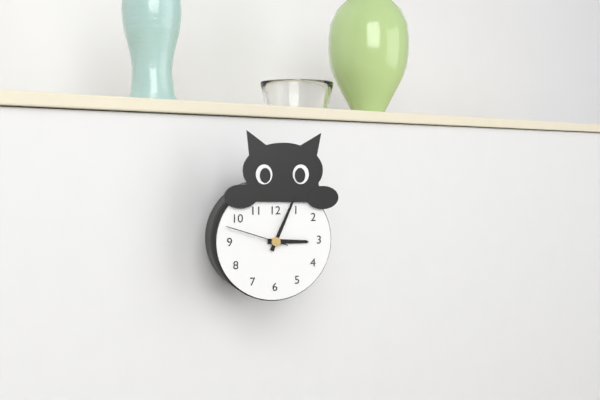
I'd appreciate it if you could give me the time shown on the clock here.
3:04:48
